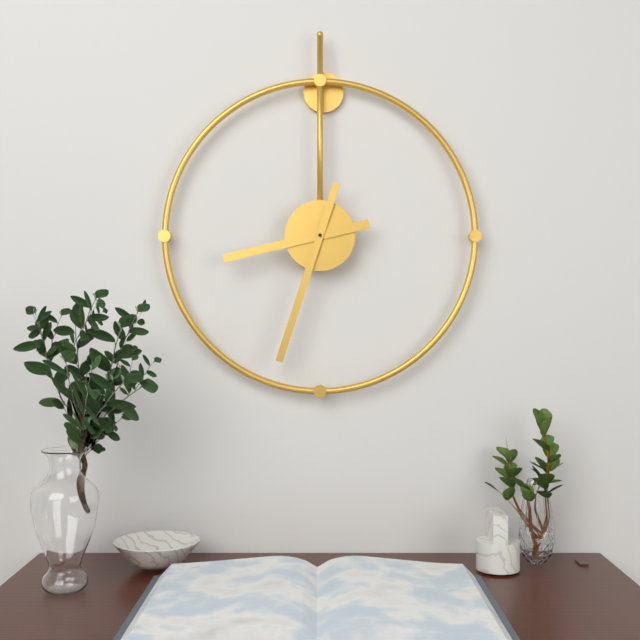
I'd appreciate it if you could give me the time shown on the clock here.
8:33
